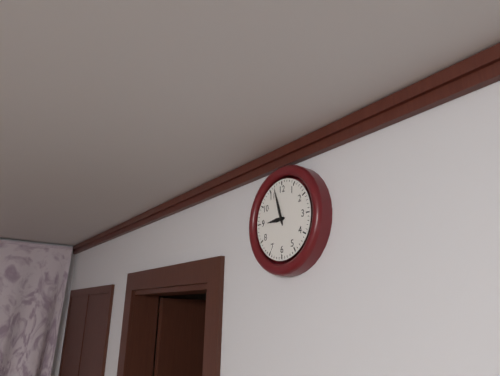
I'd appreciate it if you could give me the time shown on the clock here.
8:57
